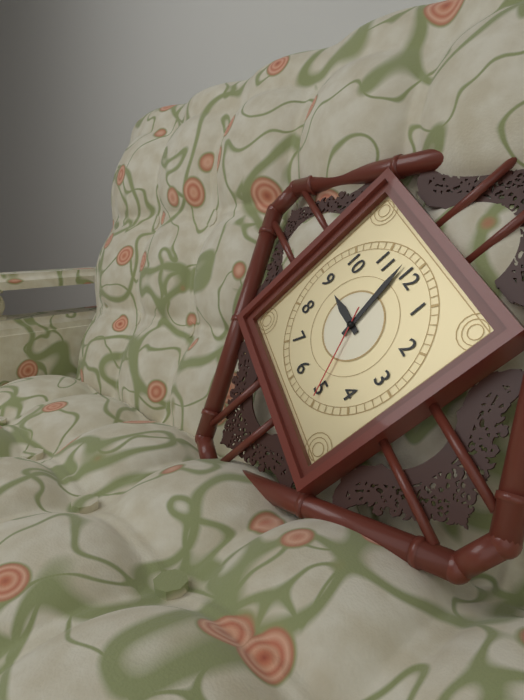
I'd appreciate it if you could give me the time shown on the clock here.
8:58:25
